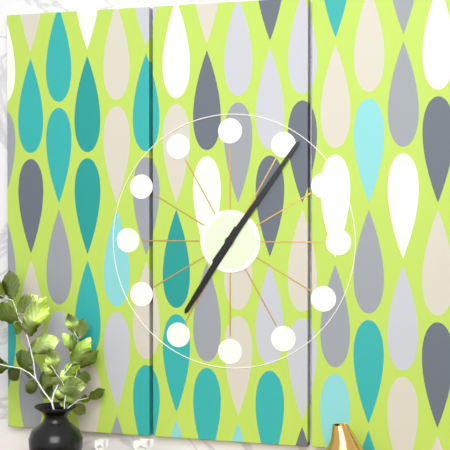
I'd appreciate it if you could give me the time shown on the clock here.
7:06
